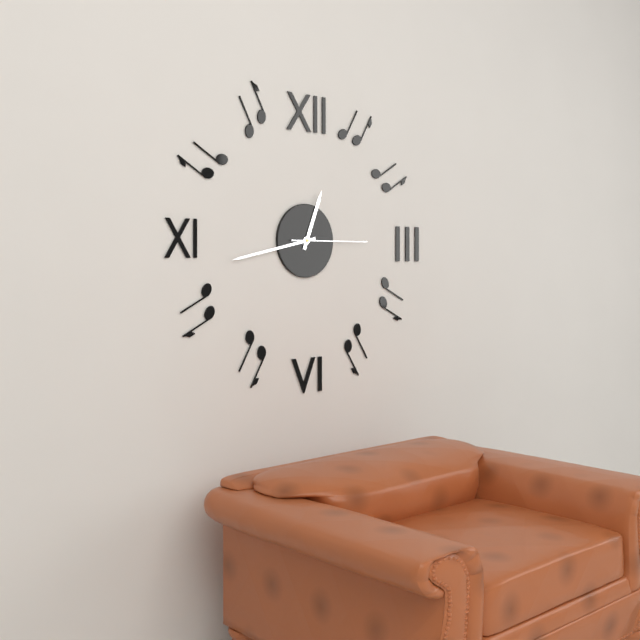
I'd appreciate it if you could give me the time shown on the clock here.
12:43:15
